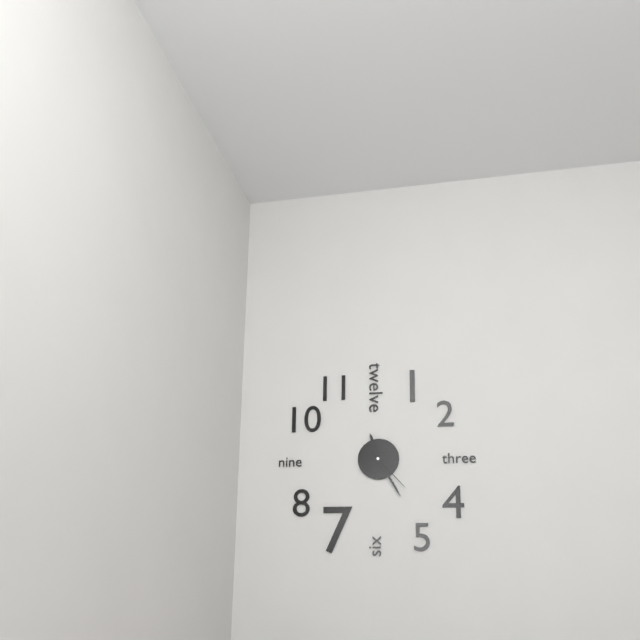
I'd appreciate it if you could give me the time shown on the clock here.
11:25:23
